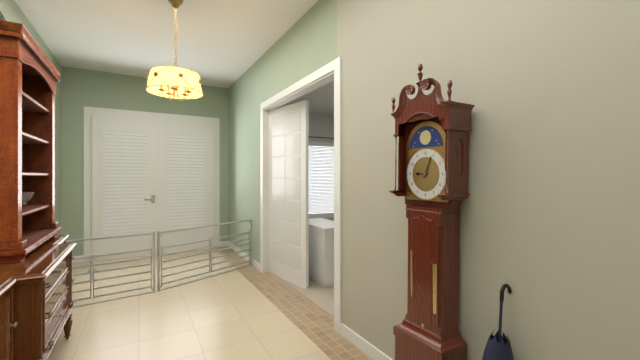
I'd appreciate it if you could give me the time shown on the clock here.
9:04
